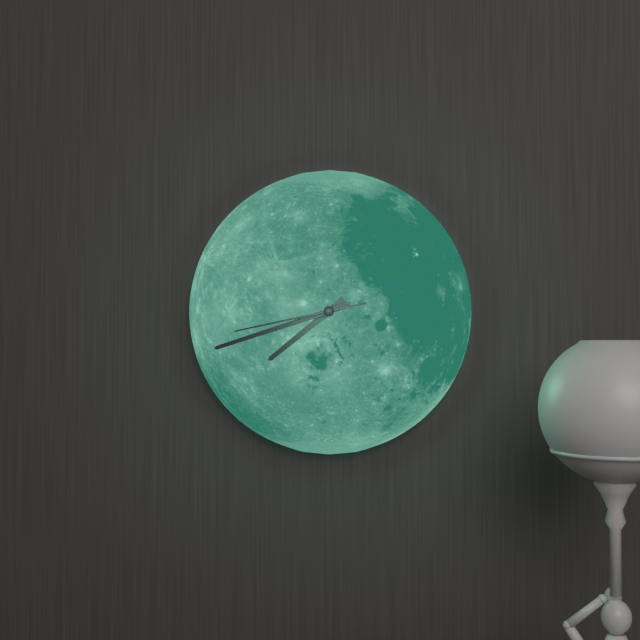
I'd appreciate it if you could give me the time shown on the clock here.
7:42:43
